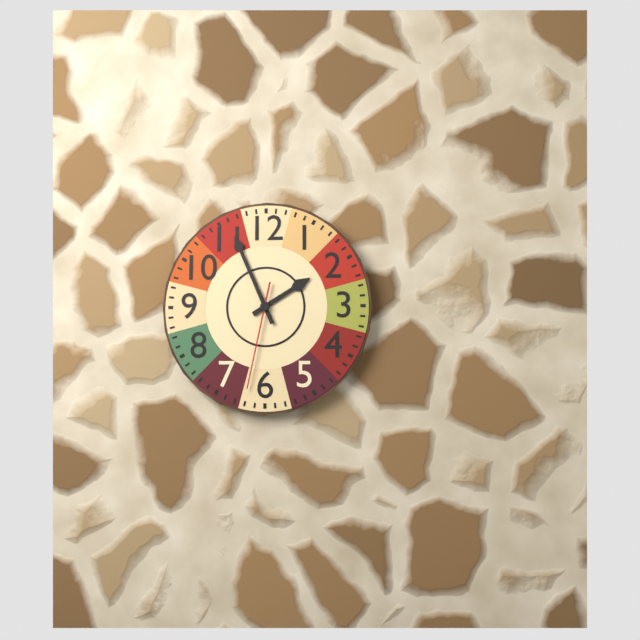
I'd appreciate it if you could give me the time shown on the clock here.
1:56:32
